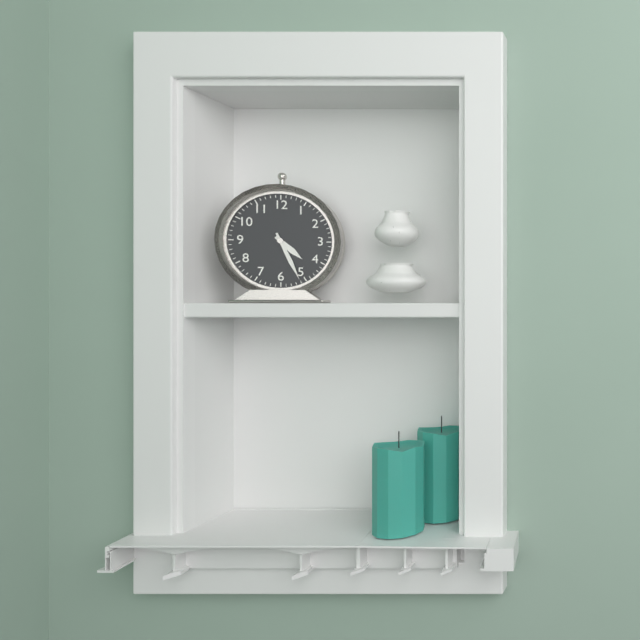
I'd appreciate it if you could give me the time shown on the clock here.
4:26
